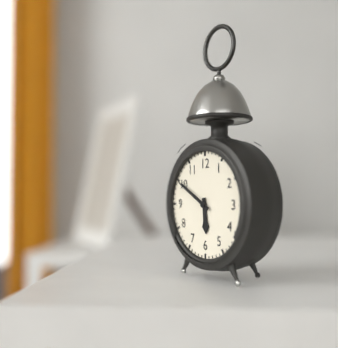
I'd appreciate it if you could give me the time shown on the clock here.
5:50
